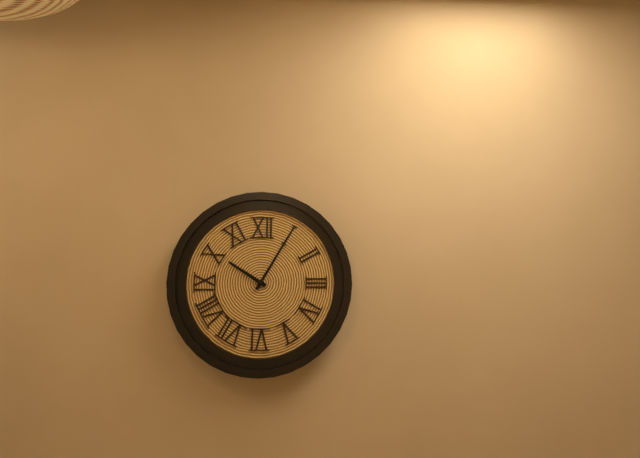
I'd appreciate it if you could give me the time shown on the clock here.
10:05
